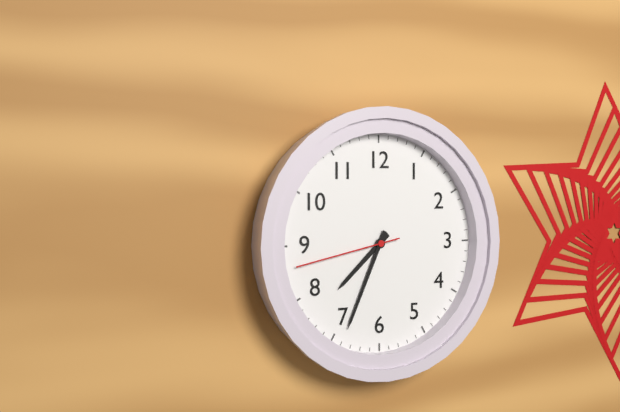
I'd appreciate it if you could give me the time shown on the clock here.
7:34:43
